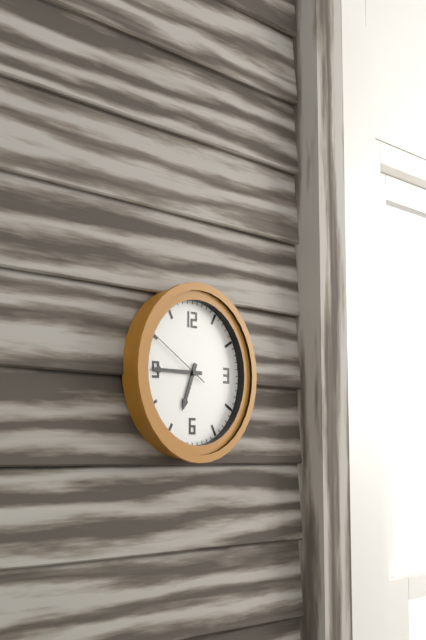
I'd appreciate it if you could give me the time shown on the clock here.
6:45:50
